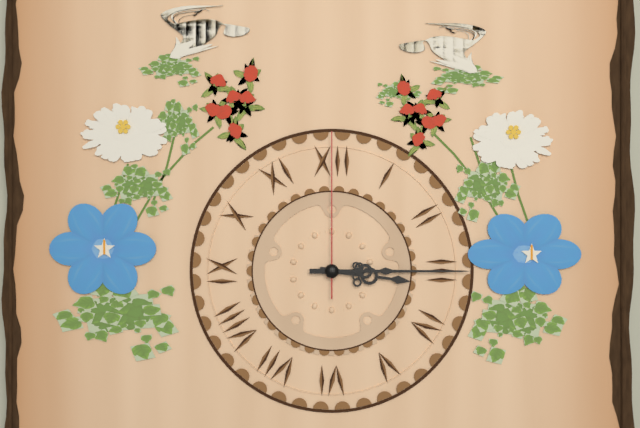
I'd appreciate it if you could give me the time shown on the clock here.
3:15:00
